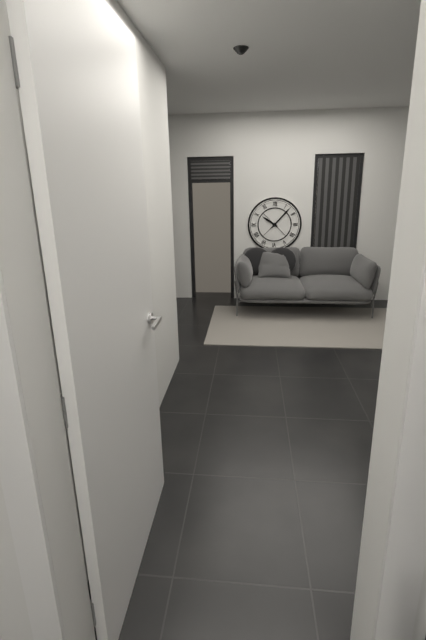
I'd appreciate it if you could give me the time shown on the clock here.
10:07
